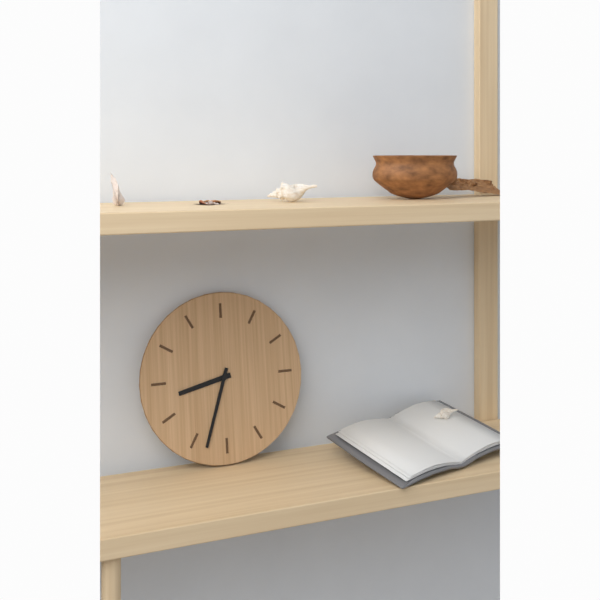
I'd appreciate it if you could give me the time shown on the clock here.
8:33
